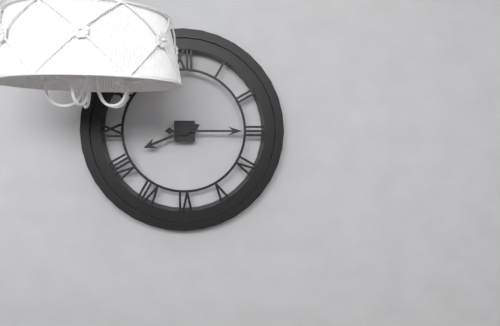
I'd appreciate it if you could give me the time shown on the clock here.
8:15
